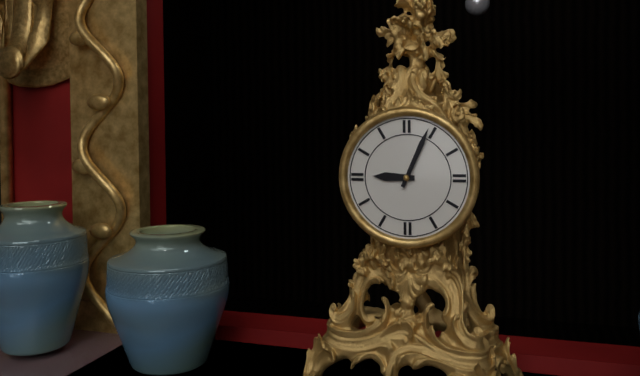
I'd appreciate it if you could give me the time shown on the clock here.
9:04
